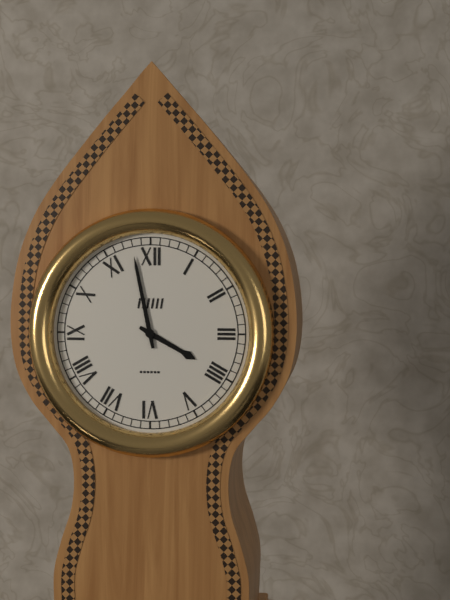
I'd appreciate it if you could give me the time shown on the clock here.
3:58
